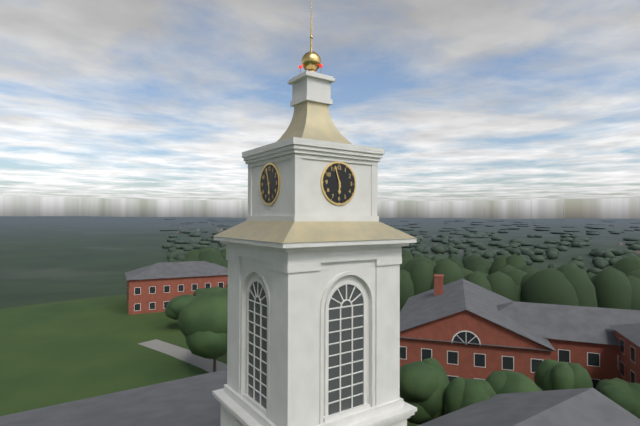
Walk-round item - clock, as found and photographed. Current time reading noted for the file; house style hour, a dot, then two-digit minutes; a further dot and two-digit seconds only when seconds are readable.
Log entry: 5.57
